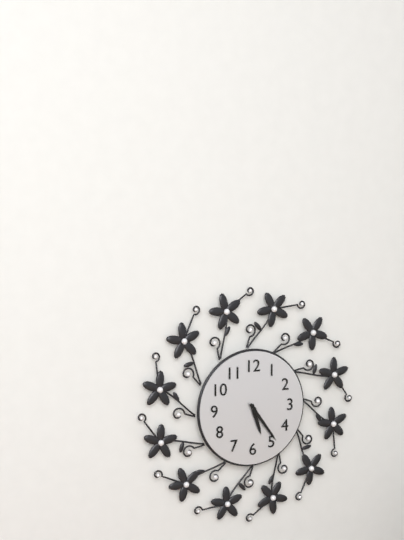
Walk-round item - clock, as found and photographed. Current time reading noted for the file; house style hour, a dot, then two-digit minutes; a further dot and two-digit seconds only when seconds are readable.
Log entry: 5.24
